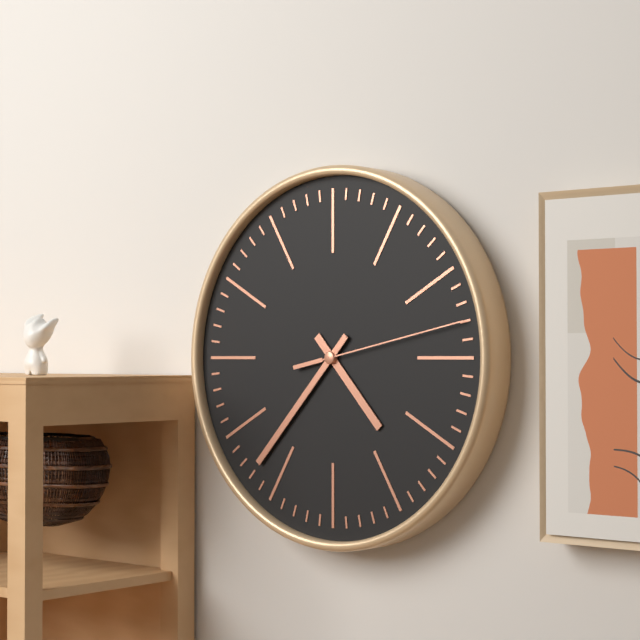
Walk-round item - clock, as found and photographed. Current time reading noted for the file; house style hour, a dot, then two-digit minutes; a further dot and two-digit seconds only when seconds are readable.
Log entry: 4.37.13
